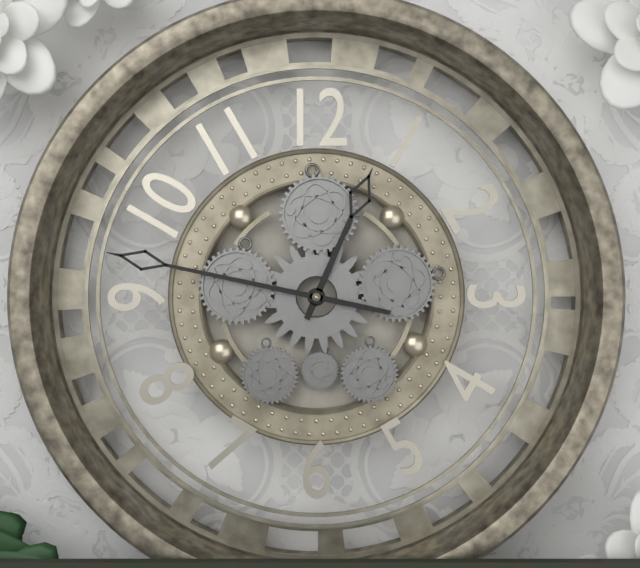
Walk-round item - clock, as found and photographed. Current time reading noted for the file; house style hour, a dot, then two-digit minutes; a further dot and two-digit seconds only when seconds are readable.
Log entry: 12.47
